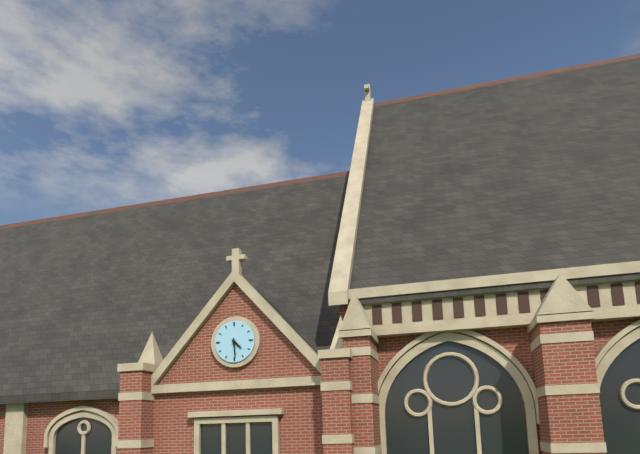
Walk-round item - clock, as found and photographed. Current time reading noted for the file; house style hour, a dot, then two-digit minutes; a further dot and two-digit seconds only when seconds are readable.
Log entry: 4.29
